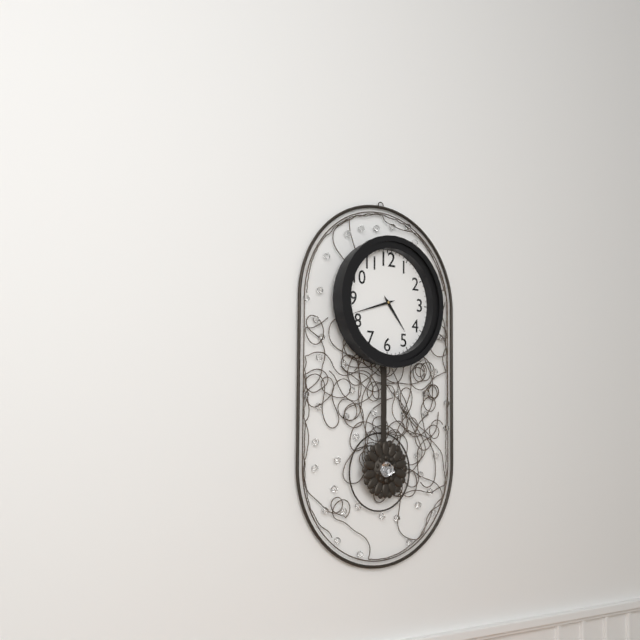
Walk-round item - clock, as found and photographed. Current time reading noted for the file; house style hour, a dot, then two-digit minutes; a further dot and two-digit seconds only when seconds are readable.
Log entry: 4.42
